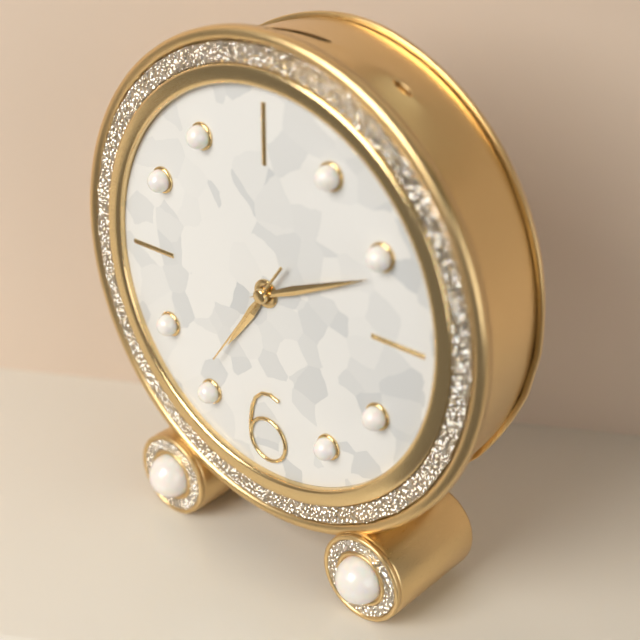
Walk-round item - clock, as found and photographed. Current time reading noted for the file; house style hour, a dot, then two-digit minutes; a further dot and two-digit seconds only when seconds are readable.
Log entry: 7.11.36
